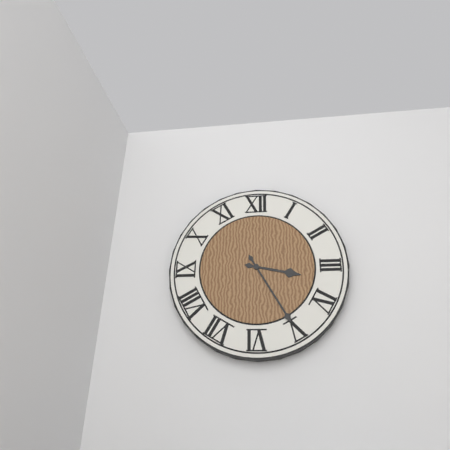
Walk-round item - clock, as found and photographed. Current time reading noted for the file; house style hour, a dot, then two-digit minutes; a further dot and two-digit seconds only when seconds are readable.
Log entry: 3.25
